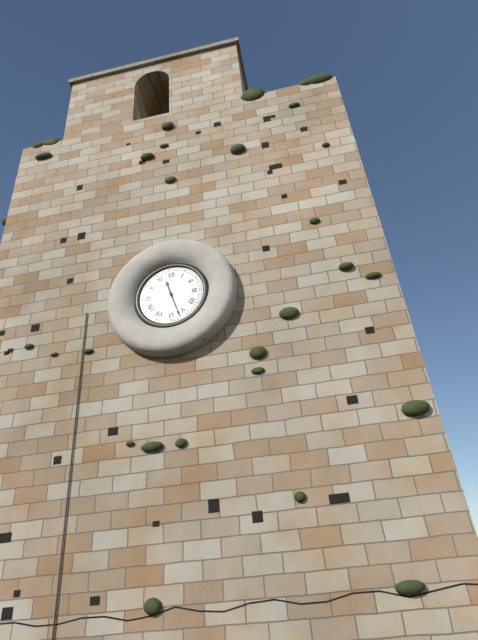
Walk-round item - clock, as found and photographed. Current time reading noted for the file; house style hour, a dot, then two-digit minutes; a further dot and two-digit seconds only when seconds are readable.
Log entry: 11.27
